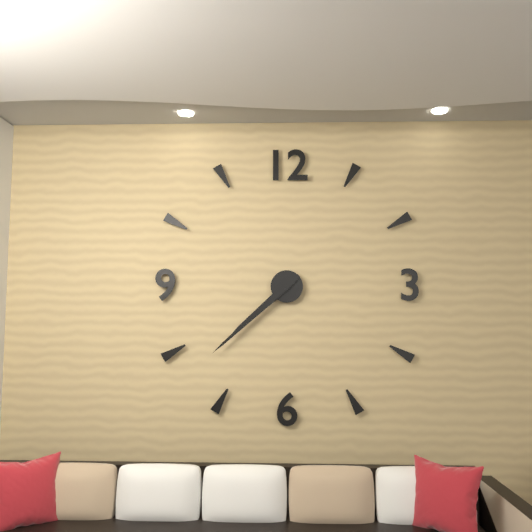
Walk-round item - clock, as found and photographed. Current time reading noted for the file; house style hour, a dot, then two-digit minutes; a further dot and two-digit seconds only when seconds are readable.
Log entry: 7.38
